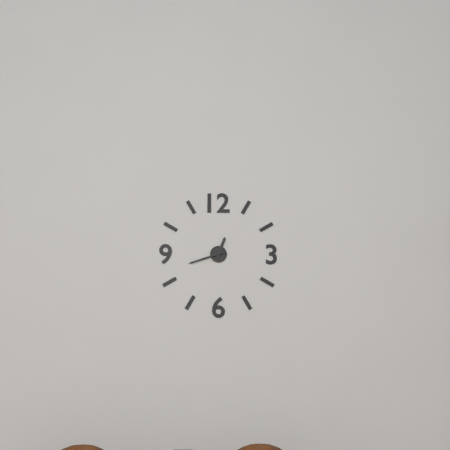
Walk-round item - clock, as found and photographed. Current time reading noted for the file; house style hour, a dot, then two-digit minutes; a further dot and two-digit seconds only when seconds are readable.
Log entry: 12.42
